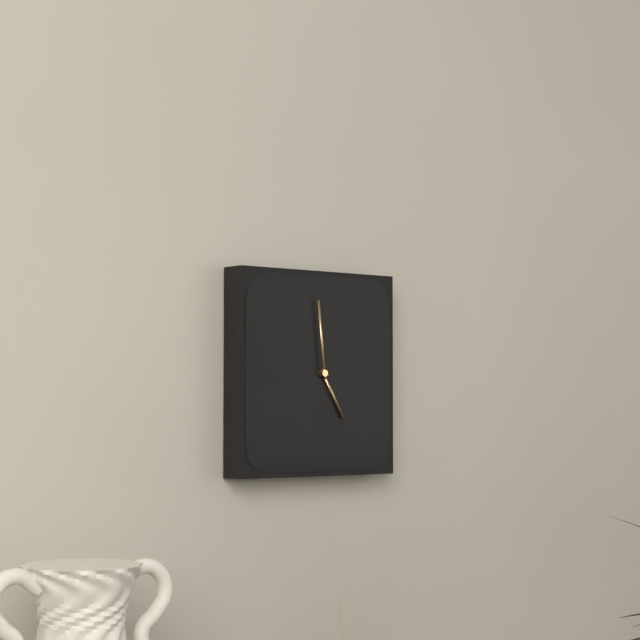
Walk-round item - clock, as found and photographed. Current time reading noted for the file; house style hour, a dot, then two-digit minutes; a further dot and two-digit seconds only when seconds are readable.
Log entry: 4.59
